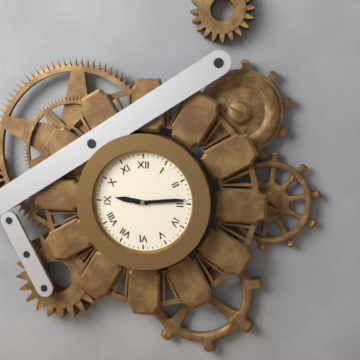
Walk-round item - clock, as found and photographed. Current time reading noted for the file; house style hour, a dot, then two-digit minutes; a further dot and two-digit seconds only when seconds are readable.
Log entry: 9.14
